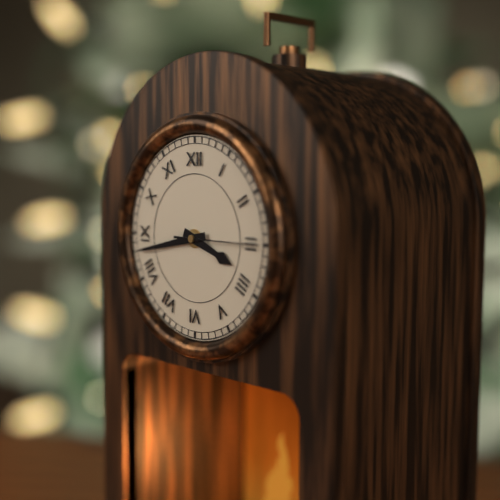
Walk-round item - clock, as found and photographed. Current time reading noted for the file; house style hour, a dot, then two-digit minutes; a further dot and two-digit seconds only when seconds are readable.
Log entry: 3.43.15
